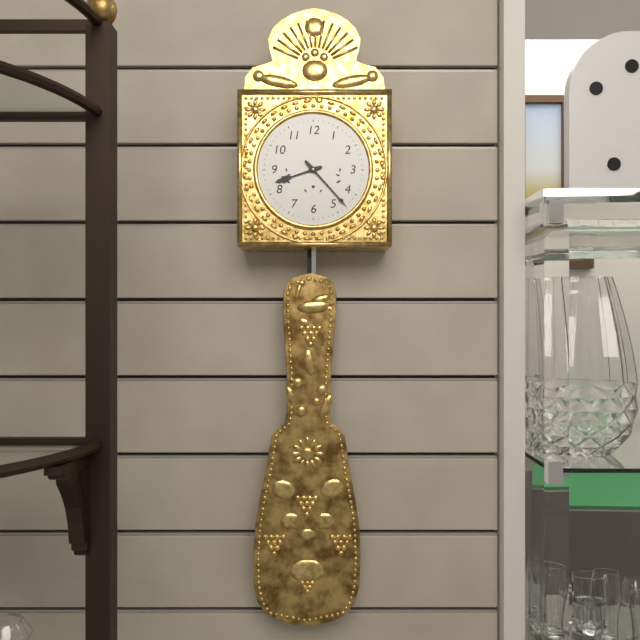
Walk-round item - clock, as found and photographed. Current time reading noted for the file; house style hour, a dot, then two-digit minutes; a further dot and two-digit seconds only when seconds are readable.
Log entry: 8.23
